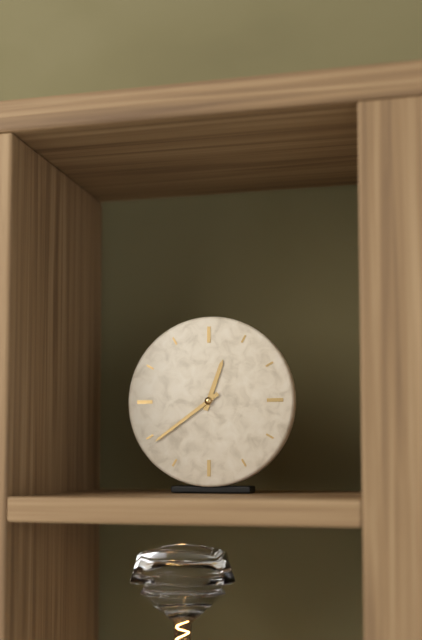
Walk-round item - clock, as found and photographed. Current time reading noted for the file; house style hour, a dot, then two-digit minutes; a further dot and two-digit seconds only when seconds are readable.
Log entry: 12.39
